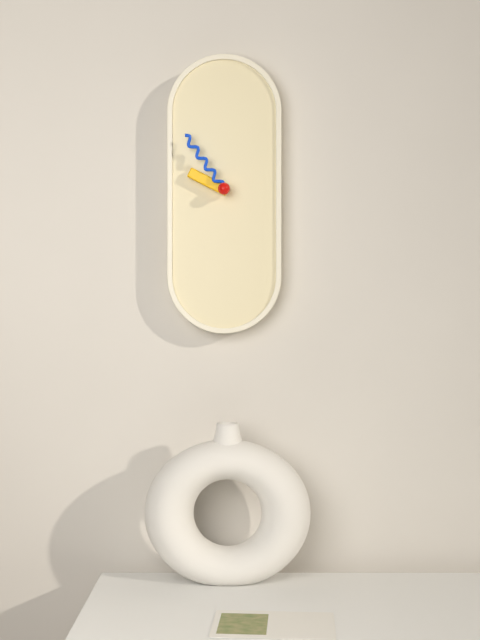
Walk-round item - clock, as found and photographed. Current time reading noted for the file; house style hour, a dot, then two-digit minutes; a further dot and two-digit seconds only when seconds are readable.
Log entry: 9.54
